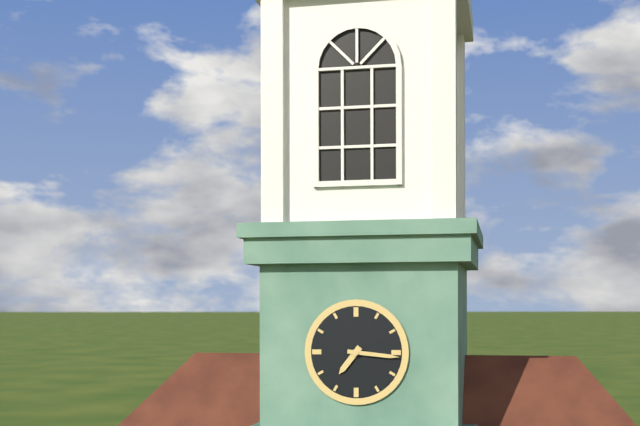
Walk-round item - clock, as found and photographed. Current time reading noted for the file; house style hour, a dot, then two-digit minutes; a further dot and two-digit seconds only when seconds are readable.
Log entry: 7.16
